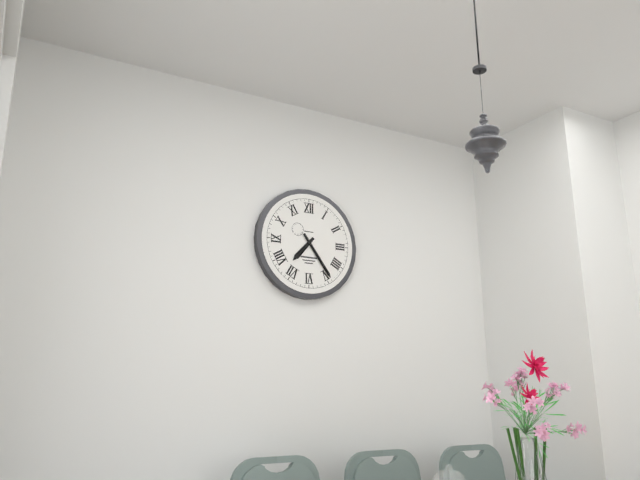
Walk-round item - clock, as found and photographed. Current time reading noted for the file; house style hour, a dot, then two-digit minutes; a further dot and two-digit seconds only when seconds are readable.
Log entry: 7.24
